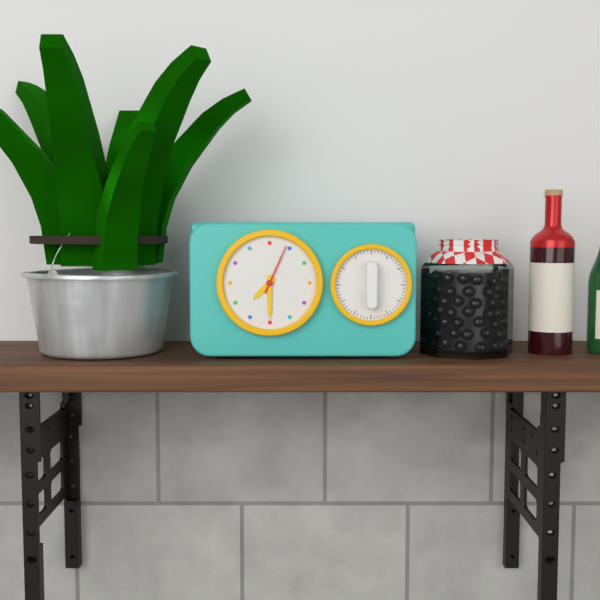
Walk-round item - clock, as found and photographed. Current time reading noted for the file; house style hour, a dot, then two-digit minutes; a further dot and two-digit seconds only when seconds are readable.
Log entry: 7.30.04
